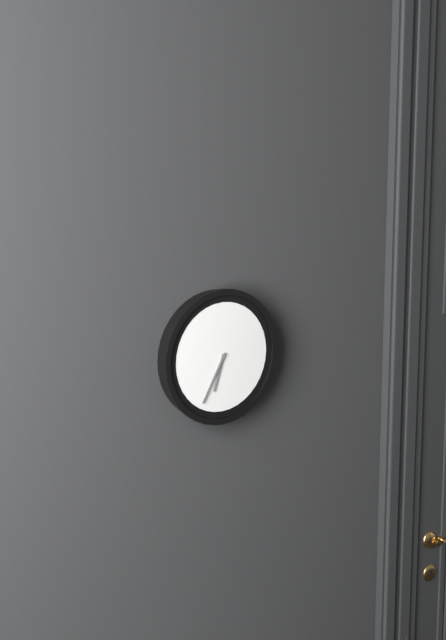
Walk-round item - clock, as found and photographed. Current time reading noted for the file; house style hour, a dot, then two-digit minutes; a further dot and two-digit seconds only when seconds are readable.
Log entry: 6.35
